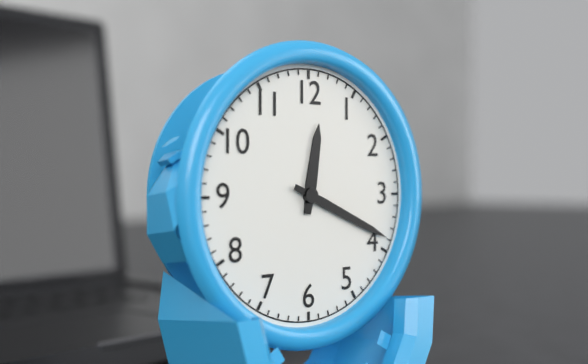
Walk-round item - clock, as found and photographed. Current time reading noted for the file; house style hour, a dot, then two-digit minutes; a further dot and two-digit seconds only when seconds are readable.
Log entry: 12.19
